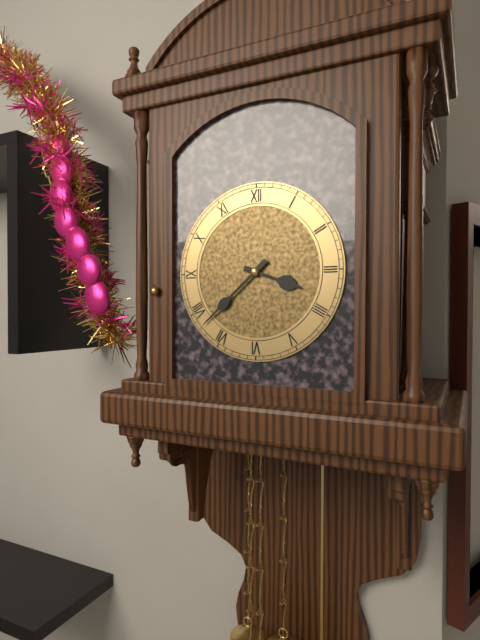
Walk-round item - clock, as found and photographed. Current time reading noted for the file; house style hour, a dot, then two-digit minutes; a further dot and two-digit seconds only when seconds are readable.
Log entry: 3.38
